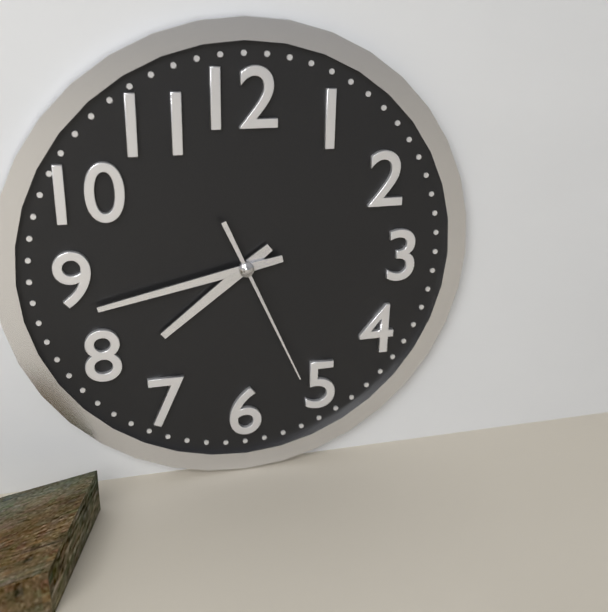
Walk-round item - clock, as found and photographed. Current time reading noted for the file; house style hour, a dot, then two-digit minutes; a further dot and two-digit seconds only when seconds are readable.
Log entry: 7.43.26
